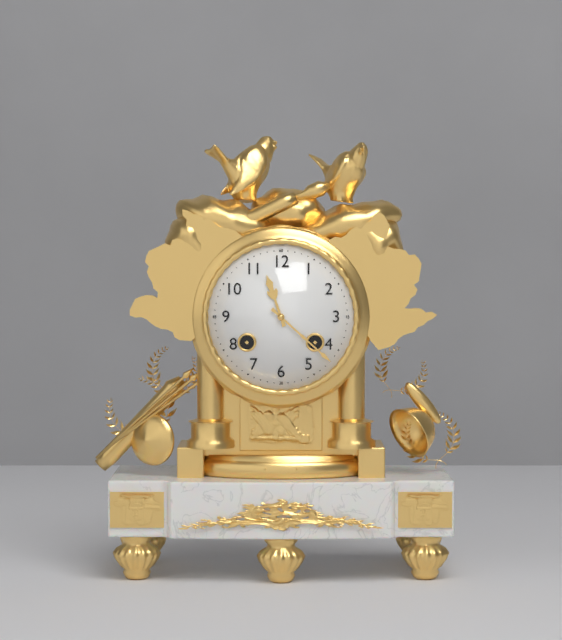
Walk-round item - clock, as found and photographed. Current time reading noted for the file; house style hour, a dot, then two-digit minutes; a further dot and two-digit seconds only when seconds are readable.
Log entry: 11.22
